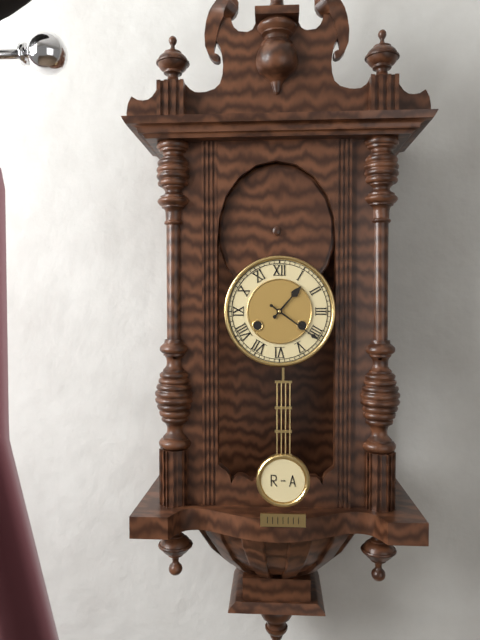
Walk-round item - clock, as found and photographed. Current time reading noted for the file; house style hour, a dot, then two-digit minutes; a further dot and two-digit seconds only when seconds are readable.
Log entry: 1.21
